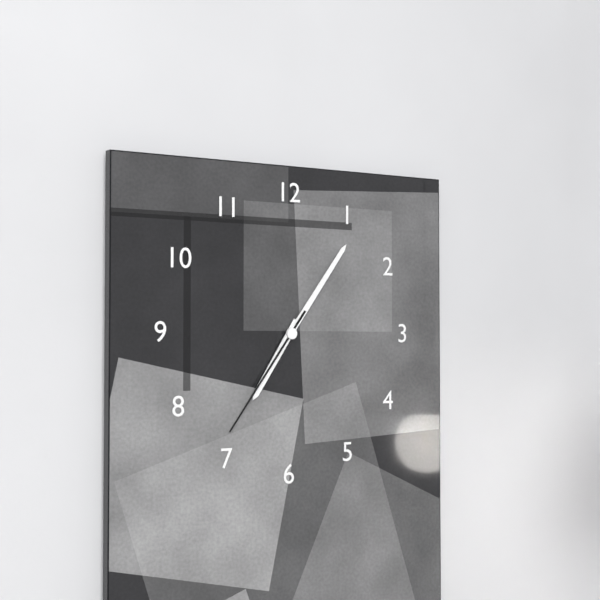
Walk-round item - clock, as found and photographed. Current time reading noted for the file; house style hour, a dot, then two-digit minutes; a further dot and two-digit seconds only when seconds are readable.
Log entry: 7.06.36
